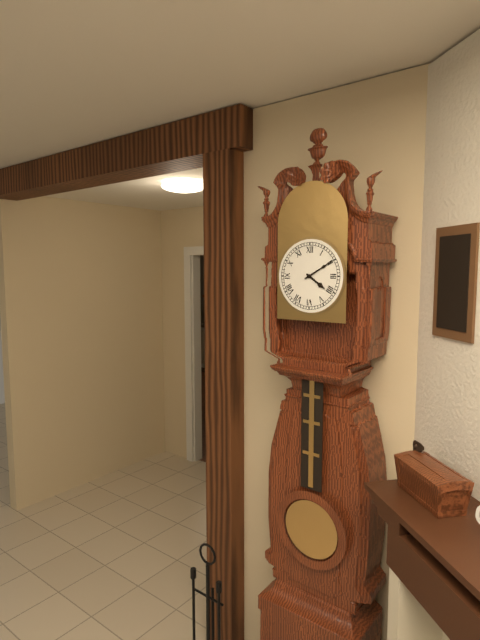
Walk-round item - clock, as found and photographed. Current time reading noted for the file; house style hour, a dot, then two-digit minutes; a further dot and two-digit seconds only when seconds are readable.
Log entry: 4.10
